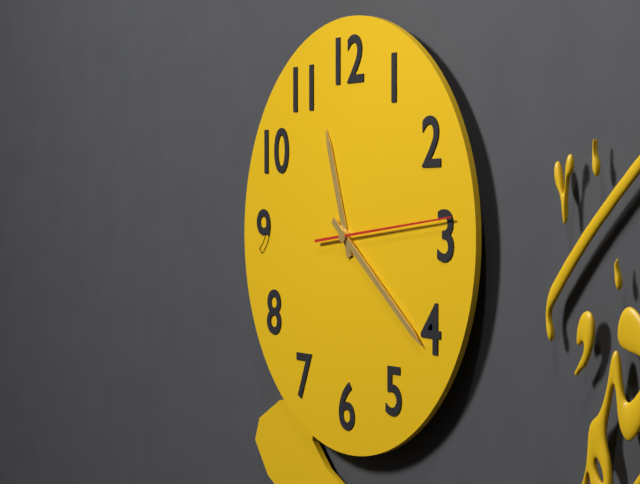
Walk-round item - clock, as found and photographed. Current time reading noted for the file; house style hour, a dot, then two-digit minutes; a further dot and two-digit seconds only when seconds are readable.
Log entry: 11.21.14
